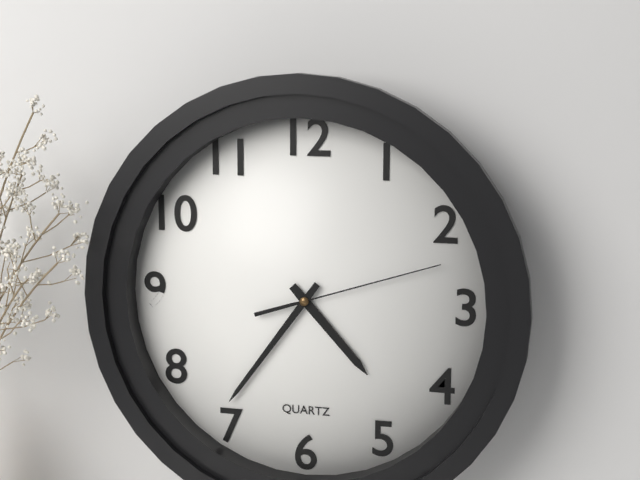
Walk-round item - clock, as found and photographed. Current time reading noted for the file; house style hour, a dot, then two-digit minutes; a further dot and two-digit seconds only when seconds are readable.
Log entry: 4.36.12
